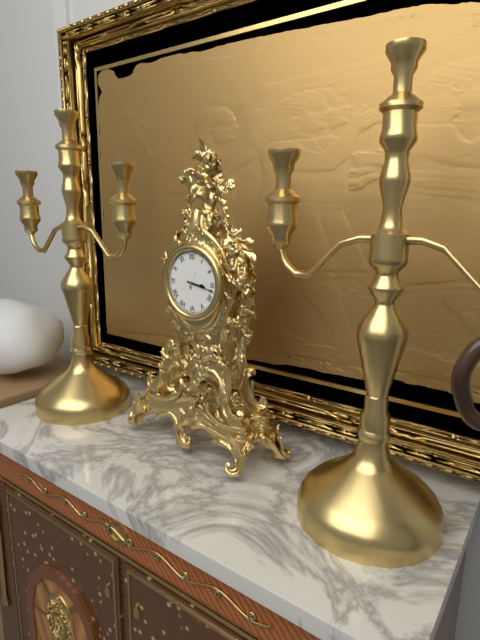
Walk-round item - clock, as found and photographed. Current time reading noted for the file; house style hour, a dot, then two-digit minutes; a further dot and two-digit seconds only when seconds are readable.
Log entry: 3.17
